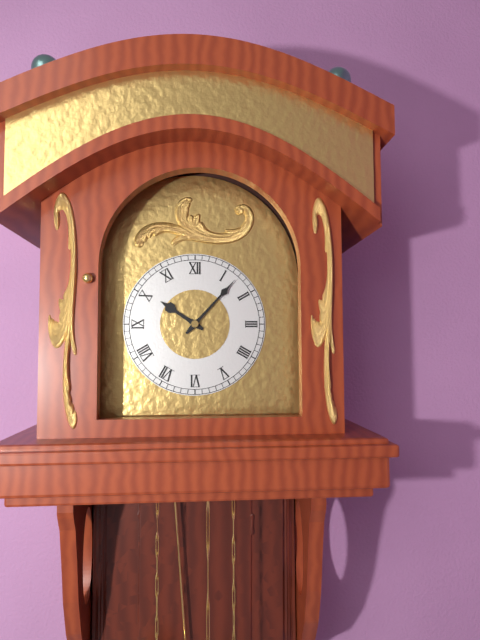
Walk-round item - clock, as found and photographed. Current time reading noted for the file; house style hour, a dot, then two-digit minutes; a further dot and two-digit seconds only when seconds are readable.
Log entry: 10.07
